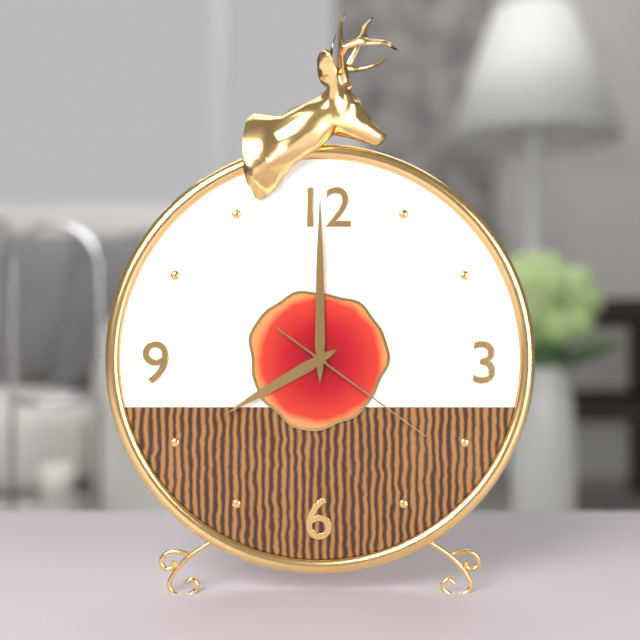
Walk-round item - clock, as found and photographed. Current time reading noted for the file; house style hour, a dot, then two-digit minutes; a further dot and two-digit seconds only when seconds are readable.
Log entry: 8.00.21
